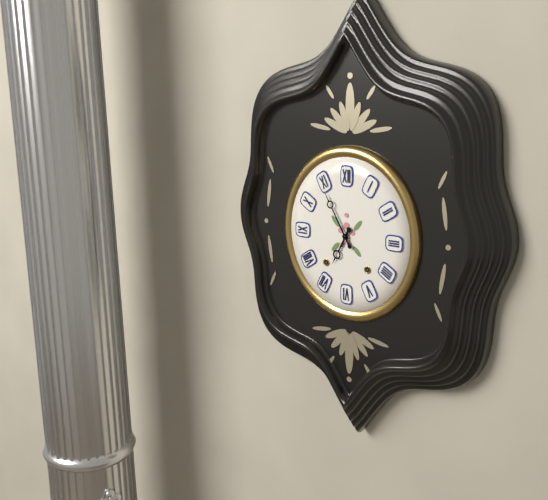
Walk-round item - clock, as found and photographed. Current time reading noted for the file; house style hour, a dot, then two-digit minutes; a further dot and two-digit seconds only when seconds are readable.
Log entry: 6.55
